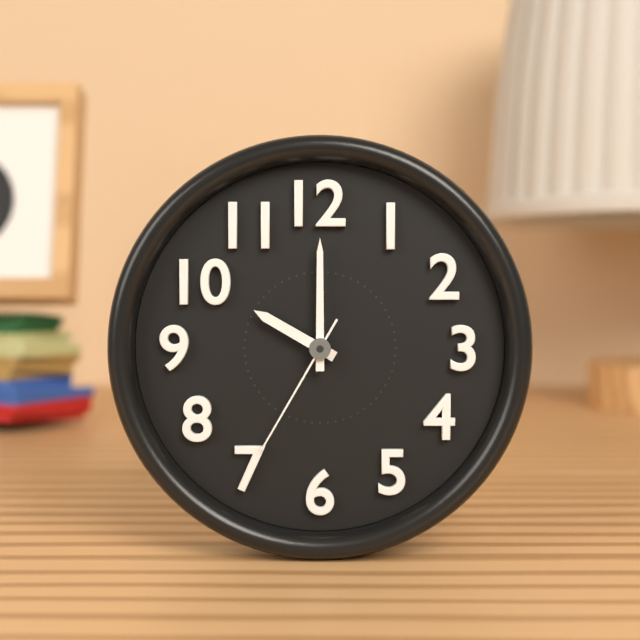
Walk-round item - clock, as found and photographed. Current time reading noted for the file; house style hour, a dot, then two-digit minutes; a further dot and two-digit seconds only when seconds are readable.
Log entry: 10.00.35
